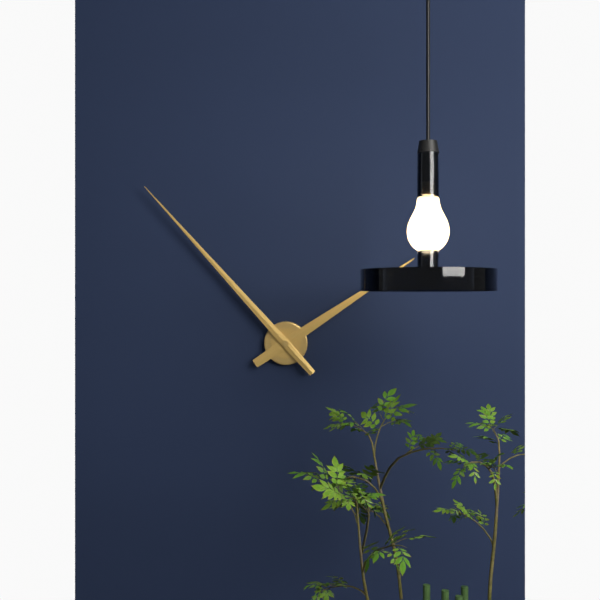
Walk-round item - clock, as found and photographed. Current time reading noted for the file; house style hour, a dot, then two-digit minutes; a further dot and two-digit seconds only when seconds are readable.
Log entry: 1.53
